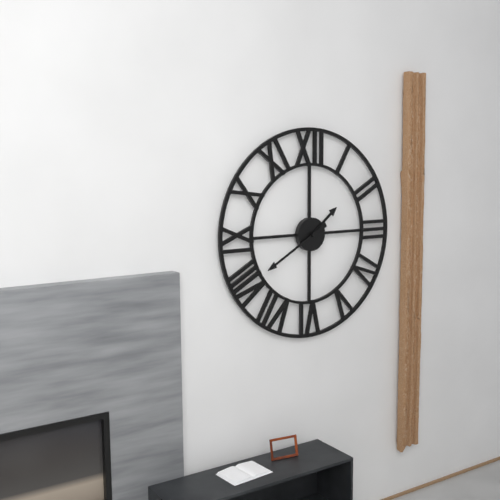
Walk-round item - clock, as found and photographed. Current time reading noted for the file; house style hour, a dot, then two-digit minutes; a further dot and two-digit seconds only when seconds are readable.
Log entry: 1.40
